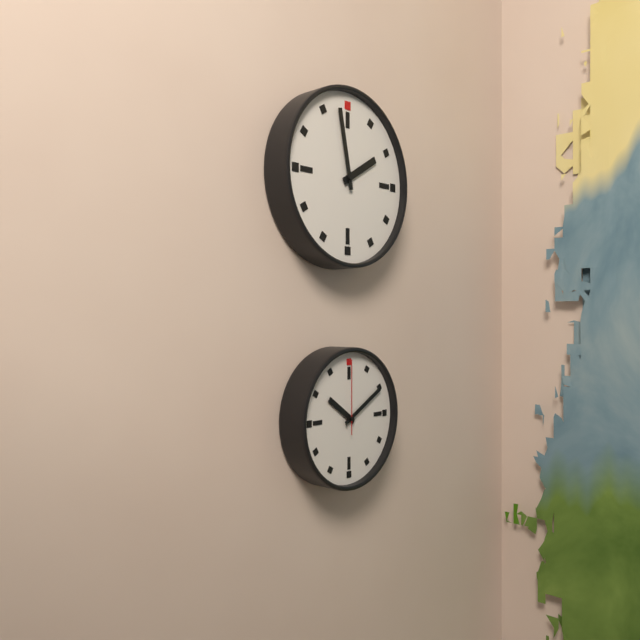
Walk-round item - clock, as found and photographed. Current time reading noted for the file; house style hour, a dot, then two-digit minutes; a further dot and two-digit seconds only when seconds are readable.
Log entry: 1.58
